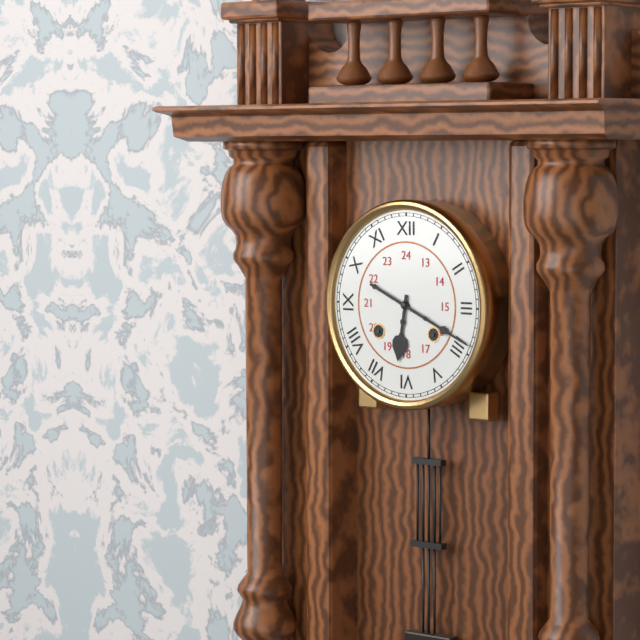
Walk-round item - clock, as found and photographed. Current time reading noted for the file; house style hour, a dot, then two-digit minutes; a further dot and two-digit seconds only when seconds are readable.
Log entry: 6.19
